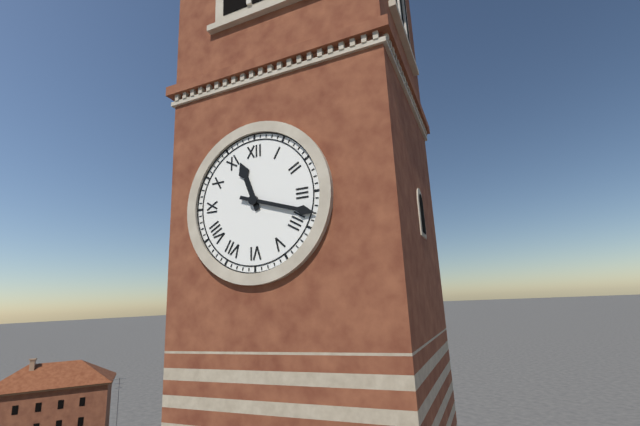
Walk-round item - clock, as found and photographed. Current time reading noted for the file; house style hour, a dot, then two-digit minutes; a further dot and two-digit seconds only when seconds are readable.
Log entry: 11.18
